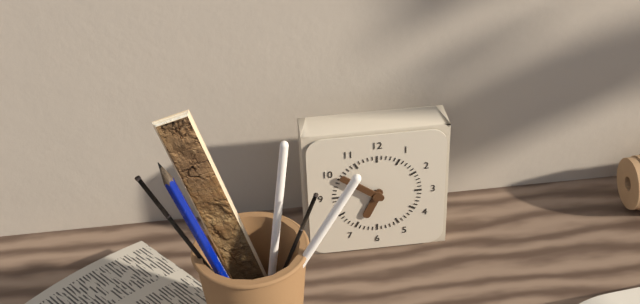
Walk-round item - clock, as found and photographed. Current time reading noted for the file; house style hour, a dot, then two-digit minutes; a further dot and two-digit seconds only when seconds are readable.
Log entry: 6.51
